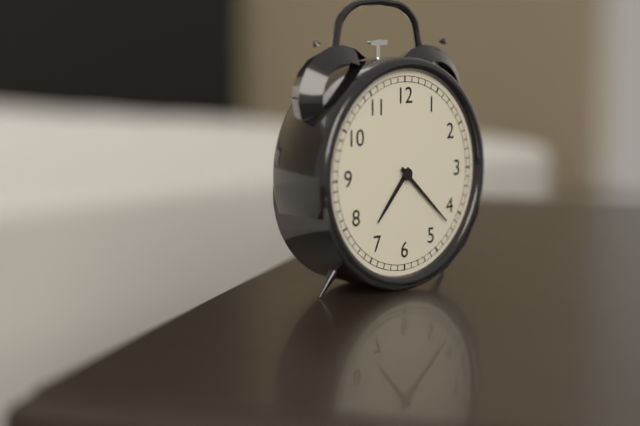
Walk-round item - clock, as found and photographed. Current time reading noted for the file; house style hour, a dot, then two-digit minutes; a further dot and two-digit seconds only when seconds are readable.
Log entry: 7.22
